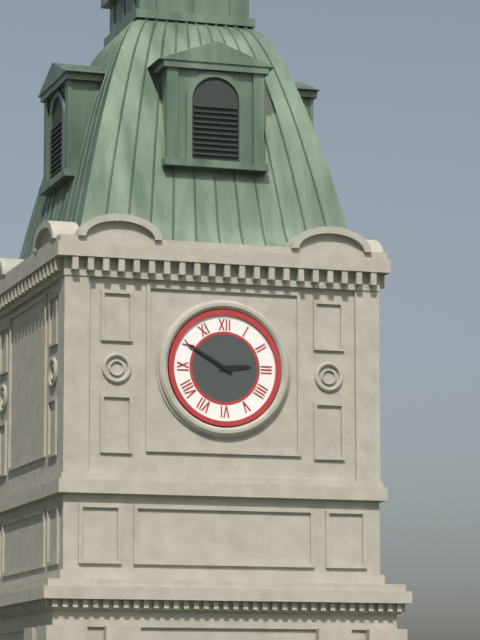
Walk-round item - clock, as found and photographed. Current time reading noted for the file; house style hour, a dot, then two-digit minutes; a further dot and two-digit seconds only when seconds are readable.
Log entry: 2.50
